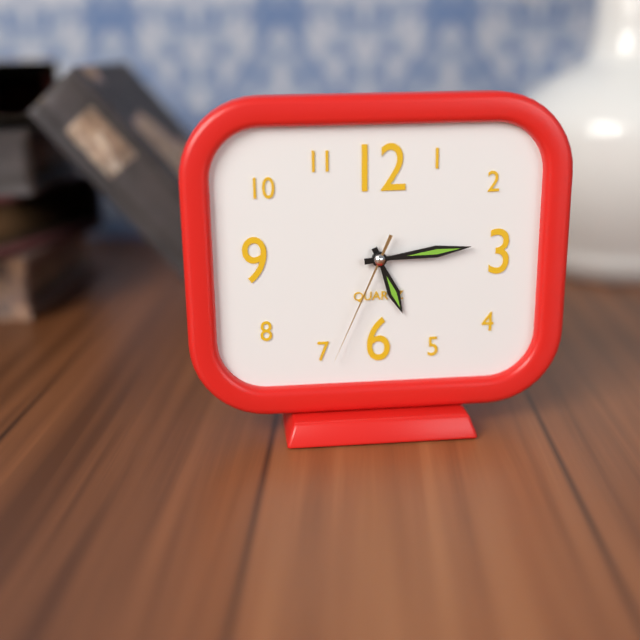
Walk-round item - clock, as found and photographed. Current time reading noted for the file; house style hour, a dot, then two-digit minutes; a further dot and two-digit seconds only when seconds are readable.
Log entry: 5.14.34
